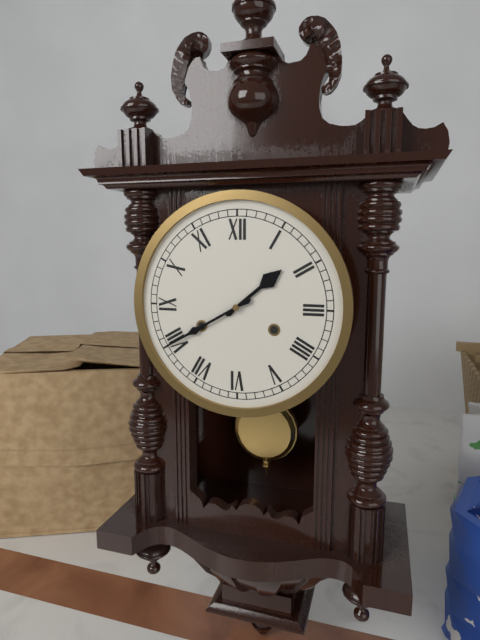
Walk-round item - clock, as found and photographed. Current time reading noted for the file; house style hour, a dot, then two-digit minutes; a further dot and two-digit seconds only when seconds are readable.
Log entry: 1.40
